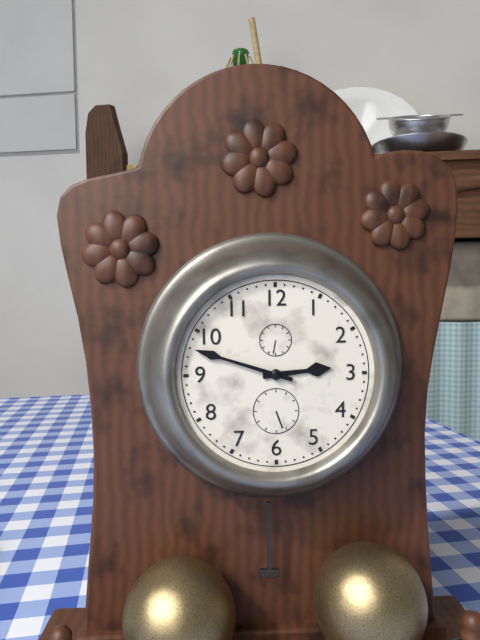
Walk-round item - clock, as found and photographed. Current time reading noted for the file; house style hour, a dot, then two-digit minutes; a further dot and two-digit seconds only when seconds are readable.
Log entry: 2.48
